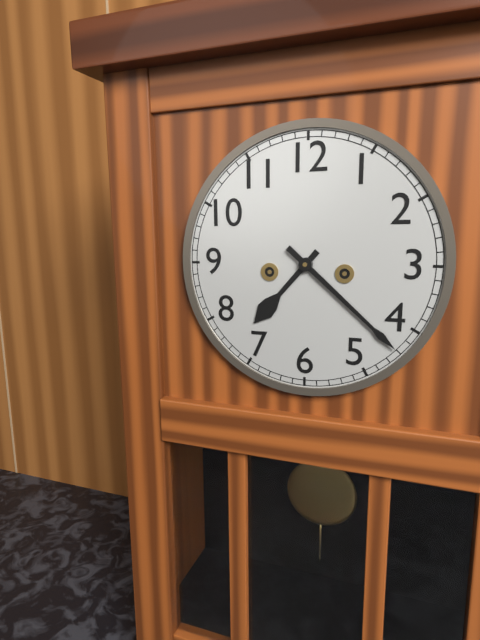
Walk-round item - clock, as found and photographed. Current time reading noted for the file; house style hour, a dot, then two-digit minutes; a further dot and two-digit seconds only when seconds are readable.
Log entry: 7.22
